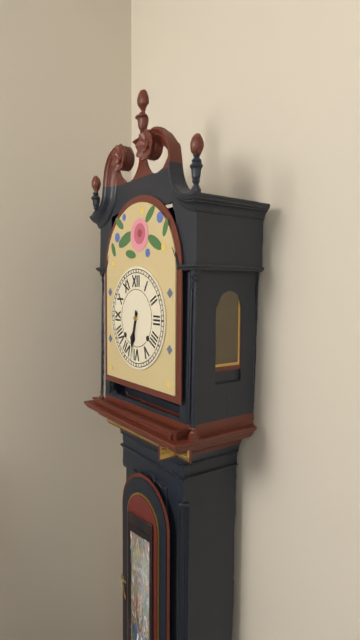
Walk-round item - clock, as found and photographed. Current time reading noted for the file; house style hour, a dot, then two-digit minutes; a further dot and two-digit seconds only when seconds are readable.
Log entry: 6.32
